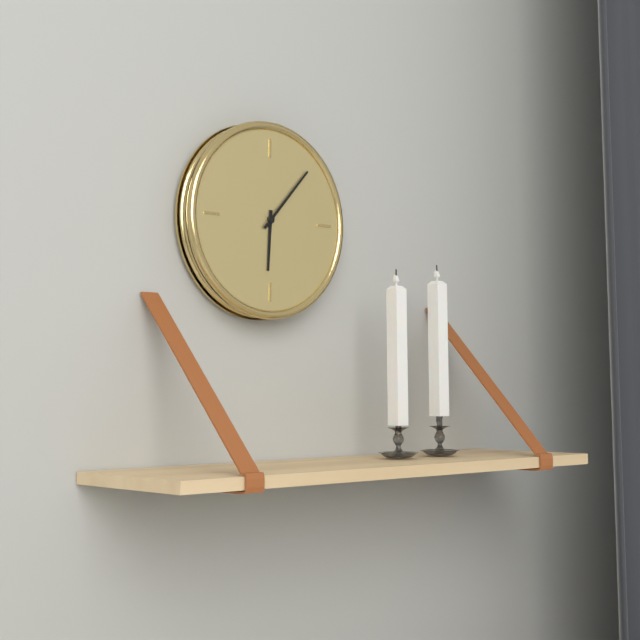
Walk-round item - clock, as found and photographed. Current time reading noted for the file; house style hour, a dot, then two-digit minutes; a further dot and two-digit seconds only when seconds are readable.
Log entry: 6.07
